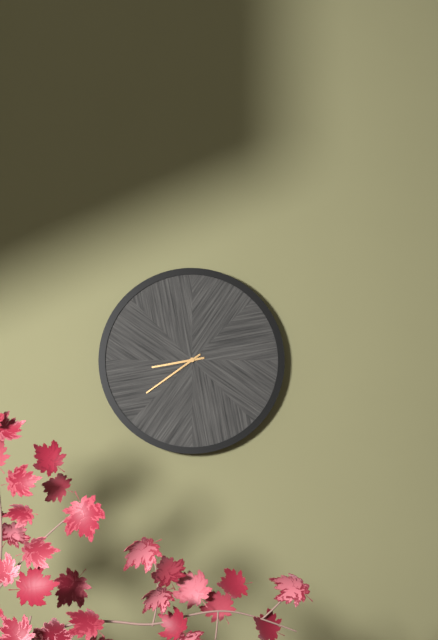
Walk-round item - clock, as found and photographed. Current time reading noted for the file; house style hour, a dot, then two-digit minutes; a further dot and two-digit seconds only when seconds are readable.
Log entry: 8.39
